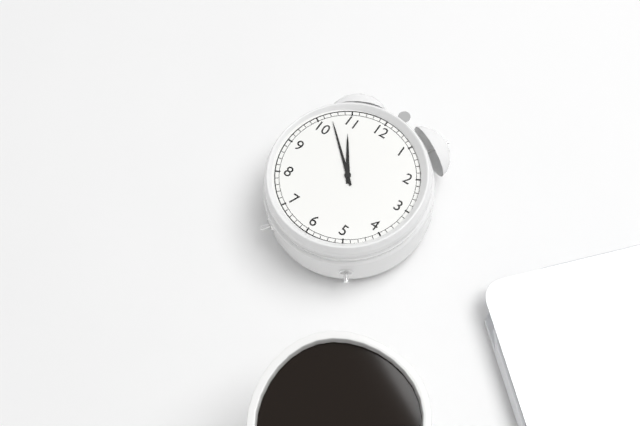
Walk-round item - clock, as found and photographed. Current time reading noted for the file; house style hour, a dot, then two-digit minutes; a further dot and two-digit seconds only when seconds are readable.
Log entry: 10.52
